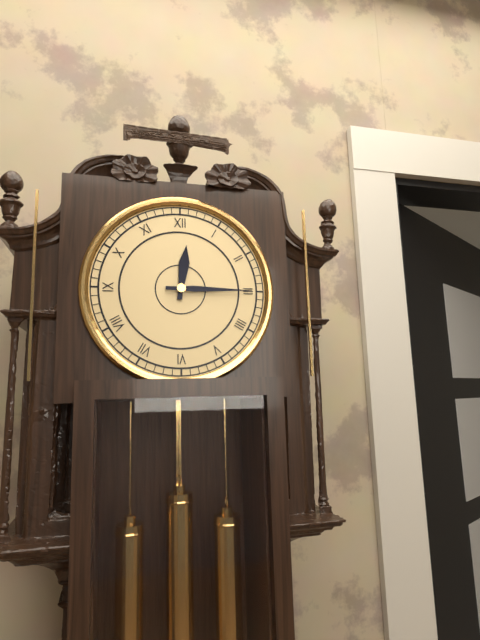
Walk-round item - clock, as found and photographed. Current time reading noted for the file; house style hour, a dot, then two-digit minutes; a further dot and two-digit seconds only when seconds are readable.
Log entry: 12.15
